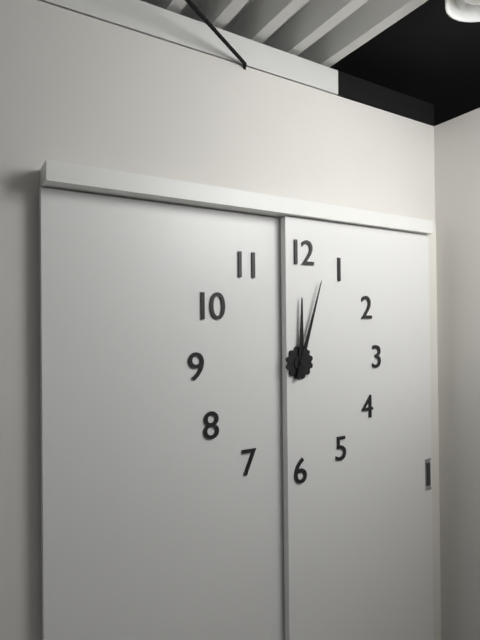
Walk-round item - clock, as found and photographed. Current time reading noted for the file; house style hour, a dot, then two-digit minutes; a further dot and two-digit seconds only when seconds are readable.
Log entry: 12.03
